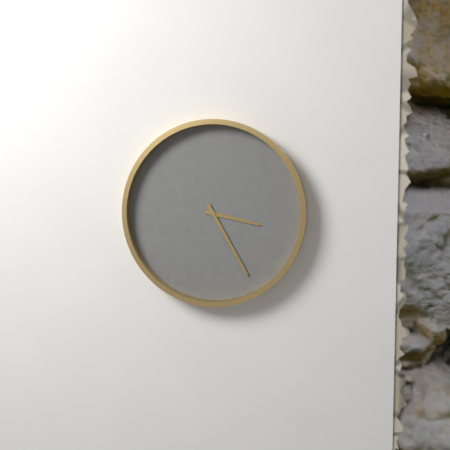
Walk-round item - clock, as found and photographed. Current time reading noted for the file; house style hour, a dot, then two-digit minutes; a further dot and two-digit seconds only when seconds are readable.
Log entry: 3.25
